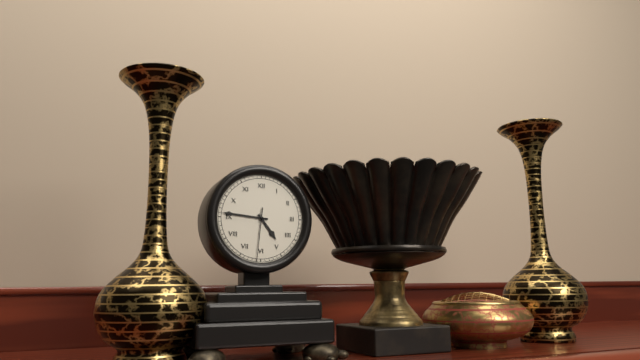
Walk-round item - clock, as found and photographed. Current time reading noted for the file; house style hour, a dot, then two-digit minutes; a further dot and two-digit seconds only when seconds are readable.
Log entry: 4.46.31
